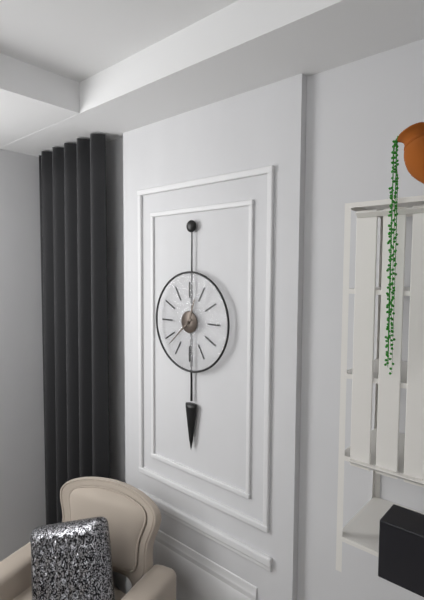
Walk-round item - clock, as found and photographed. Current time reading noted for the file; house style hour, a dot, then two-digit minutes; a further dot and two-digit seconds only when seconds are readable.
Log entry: 12.38
